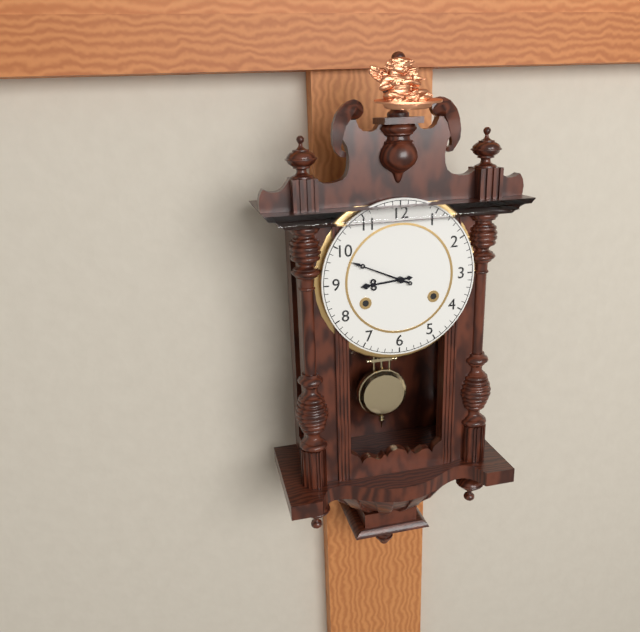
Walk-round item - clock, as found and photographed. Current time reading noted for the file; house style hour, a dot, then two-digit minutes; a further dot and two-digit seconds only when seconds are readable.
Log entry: 8.49
